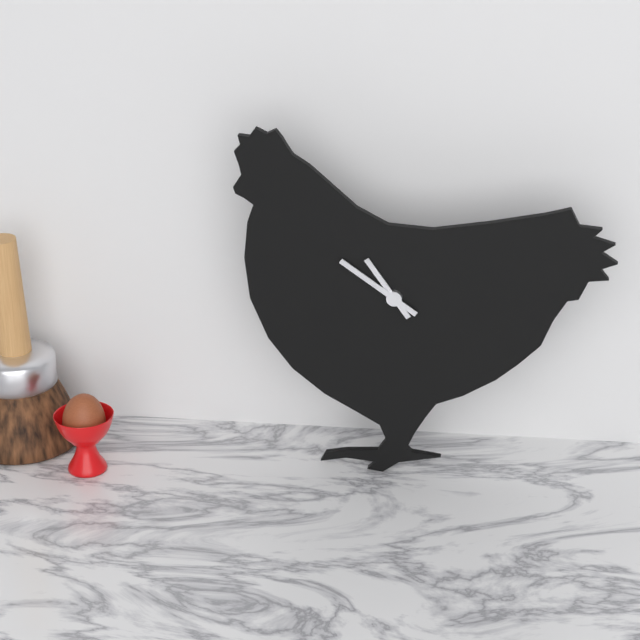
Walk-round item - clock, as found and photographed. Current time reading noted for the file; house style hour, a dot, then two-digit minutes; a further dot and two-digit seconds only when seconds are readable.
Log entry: 10.51
